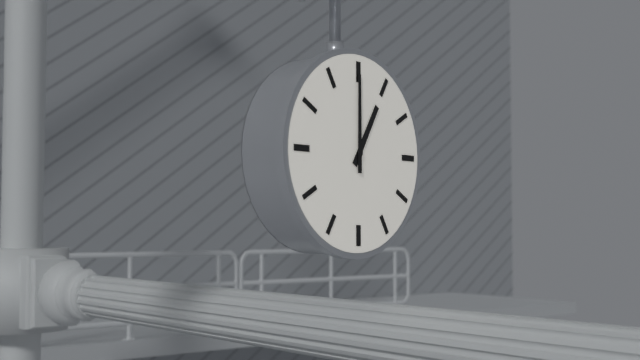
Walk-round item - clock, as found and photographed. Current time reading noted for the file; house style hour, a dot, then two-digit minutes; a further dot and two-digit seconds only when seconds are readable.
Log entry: 1.00
